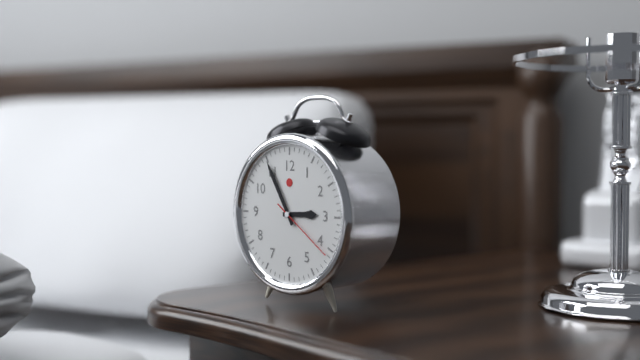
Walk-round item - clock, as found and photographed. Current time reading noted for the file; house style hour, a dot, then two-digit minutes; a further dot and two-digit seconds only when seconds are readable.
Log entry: 2.55.21
